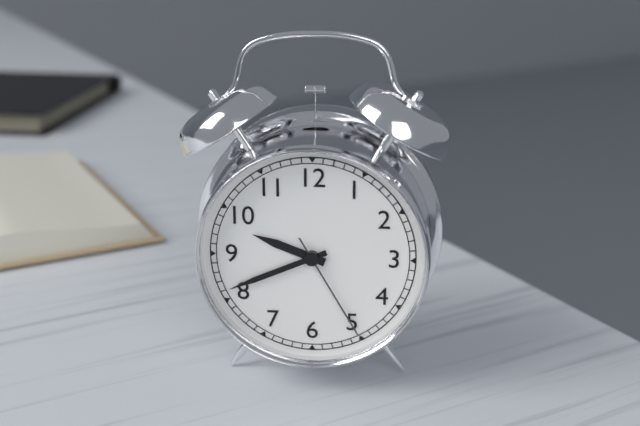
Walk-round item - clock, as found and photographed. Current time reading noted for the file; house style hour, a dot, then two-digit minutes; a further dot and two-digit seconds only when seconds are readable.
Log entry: 9.41.25
